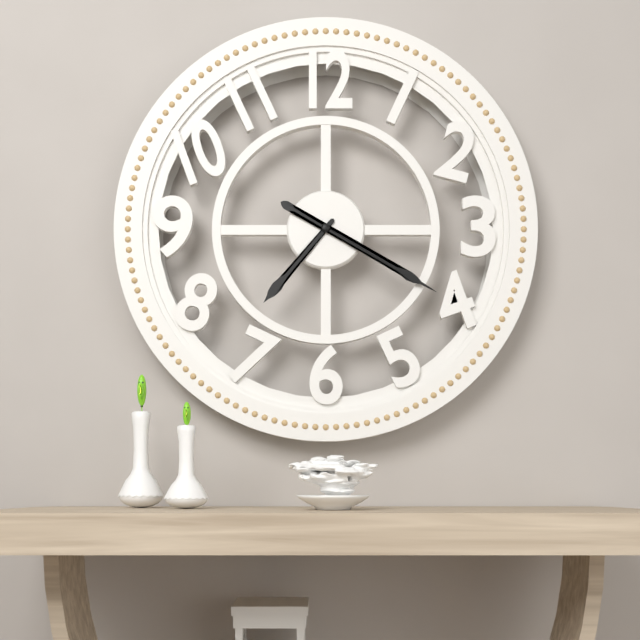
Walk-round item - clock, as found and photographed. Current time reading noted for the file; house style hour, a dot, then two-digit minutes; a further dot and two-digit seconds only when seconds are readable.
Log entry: 7.20
